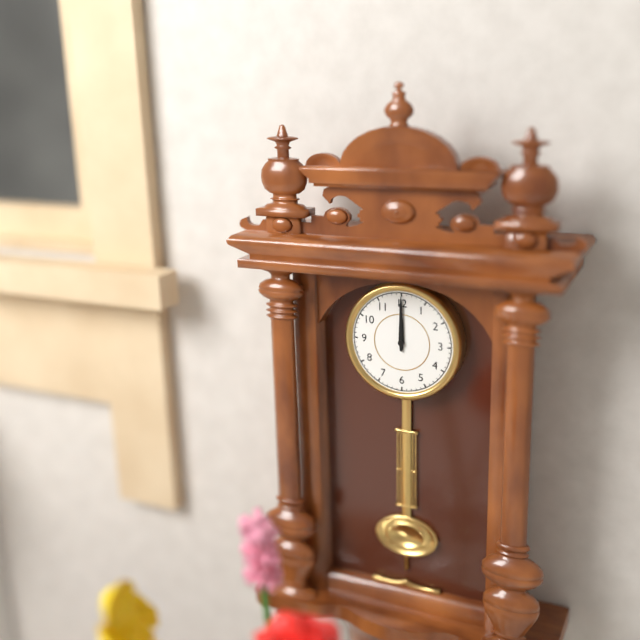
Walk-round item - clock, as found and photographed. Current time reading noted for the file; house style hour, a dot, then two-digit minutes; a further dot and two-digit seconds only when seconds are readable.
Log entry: 12.00
